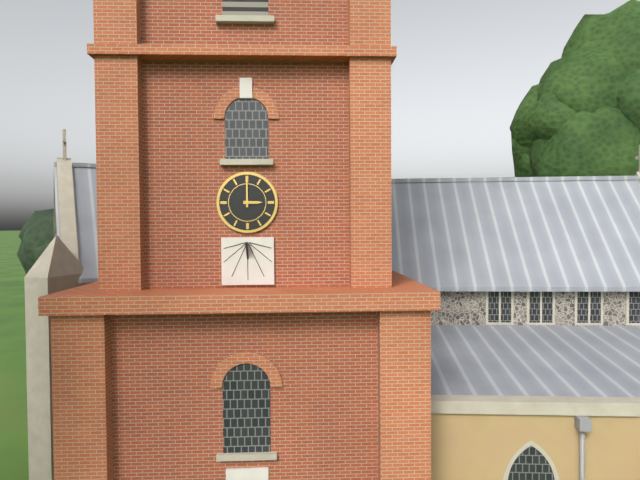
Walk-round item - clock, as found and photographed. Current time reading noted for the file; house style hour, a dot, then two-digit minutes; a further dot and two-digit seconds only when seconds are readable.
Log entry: 3.00
